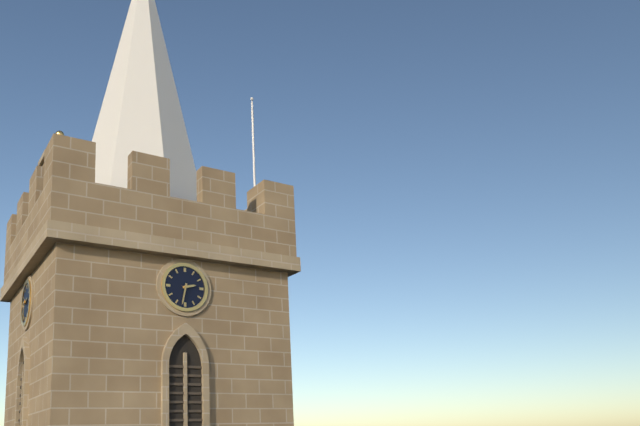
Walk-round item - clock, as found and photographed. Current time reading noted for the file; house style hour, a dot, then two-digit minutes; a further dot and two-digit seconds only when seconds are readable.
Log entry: 2.32
